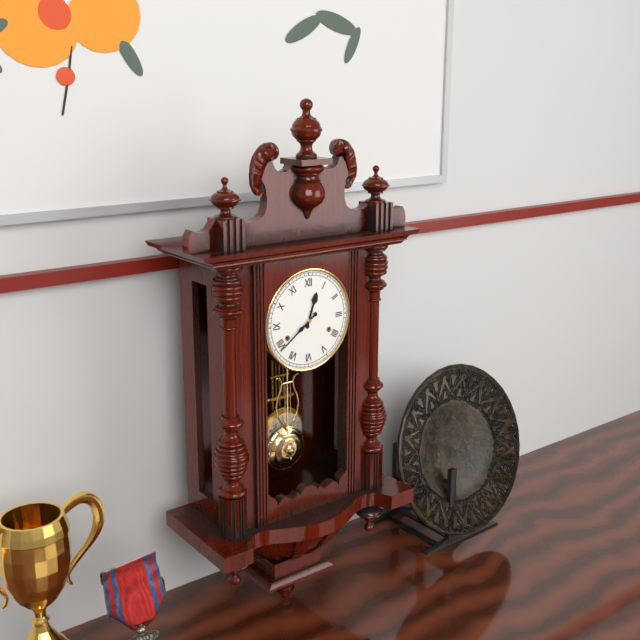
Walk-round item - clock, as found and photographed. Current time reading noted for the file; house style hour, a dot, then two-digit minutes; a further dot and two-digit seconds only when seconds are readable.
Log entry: 12.39
